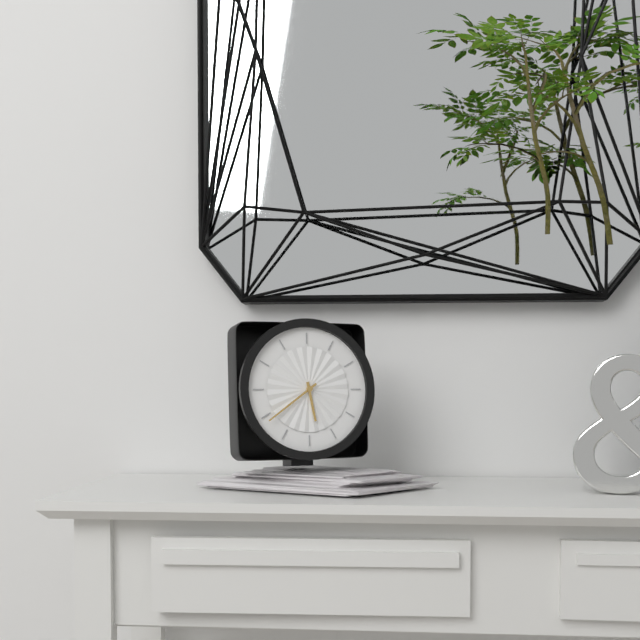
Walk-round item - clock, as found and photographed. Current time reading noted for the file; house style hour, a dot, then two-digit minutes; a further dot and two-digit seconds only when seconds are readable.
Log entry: 5.39
